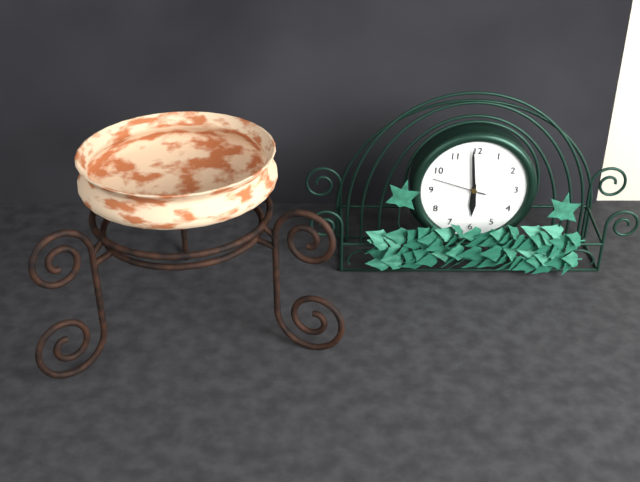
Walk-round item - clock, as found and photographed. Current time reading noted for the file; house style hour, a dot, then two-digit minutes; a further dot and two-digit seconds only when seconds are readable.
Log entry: 5.59.48
